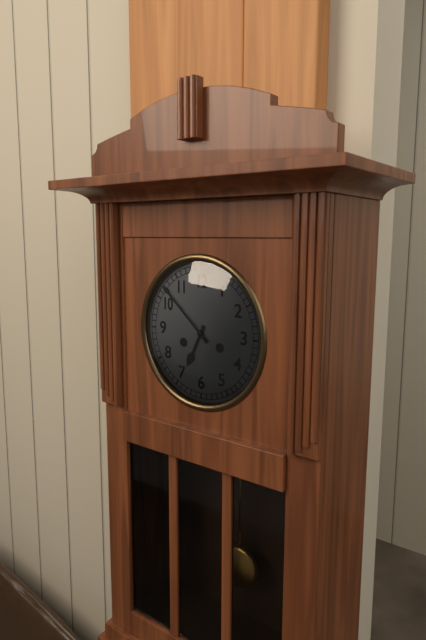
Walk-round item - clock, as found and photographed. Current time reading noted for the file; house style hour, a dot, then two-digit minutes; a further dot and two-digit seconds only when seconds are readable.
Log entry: 6.52
